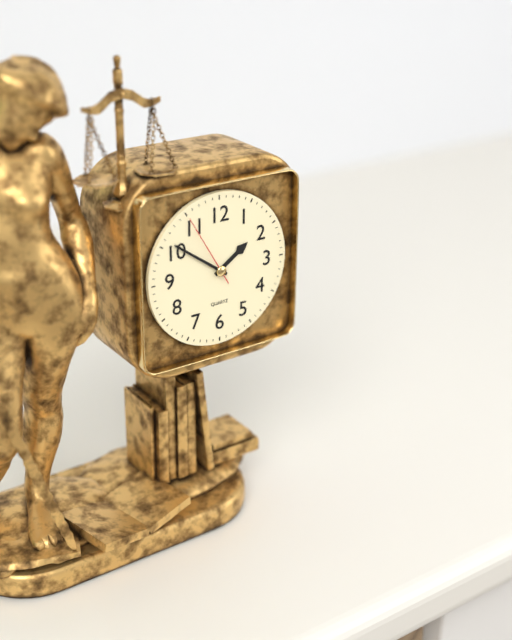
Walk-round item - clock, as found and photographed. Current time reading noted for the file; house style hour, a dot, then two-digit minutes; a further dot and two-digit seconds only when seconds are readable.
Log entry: 1.51.55
